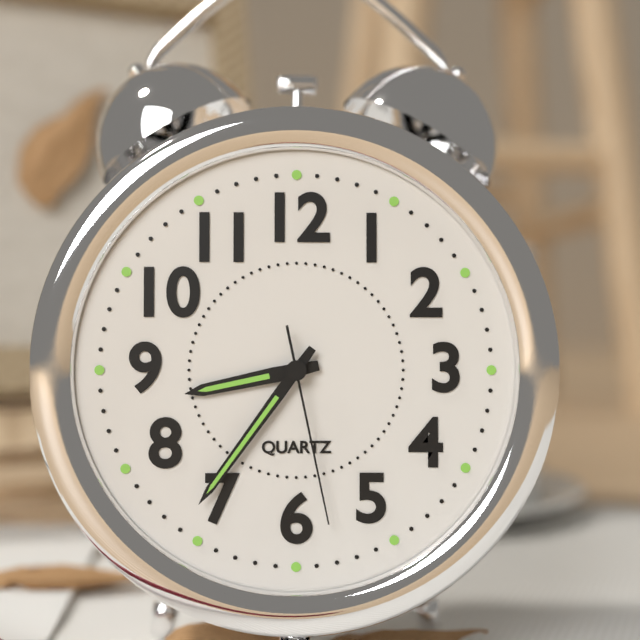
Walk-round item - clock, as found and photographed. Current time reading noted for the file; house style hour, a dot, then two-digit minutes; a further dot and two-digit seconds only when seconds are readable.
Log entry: 8.36.28
